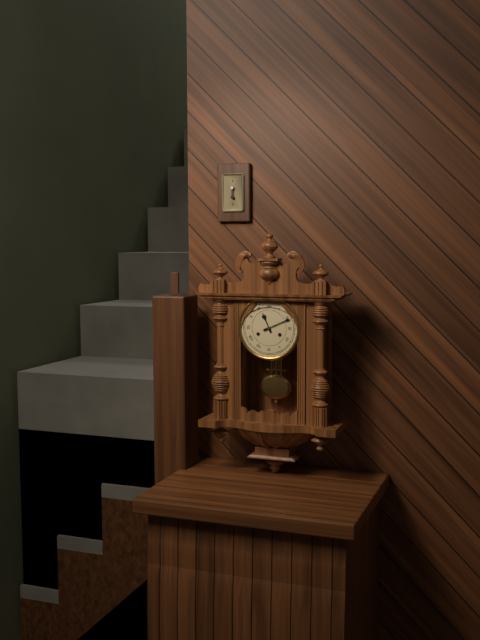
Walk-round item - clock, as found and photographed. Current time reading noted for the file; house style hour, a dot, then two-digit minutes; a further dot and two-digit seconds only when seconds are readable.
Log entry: 11.11
